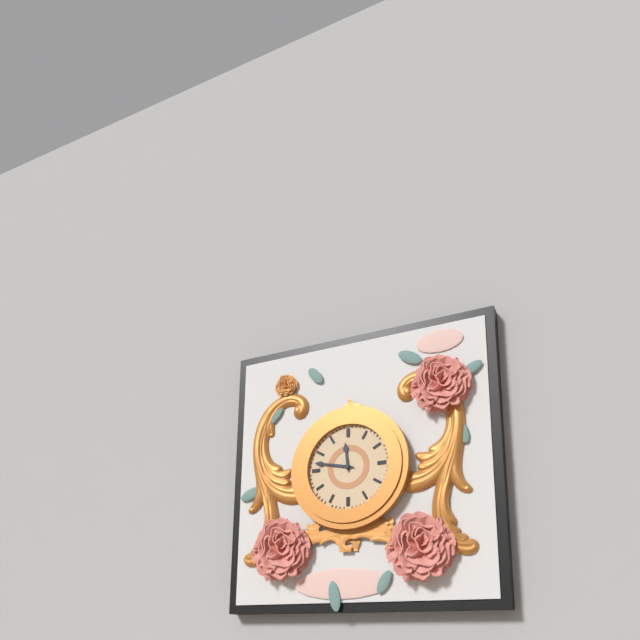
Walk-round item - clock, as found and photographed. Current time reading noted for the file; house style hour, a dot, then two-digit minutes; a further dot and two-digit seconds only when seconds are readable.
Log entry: 11.47
